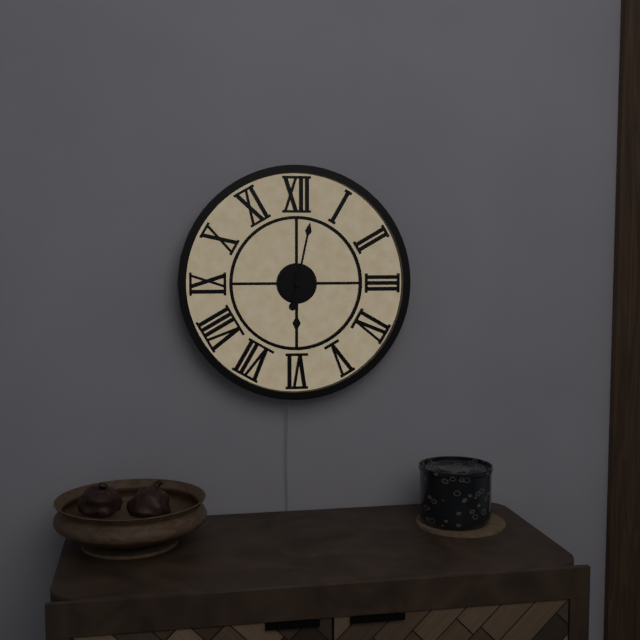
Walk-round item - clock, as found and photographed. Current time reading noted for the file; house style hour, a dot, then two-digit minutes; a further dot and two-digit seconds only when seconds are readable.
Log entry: 6.02
